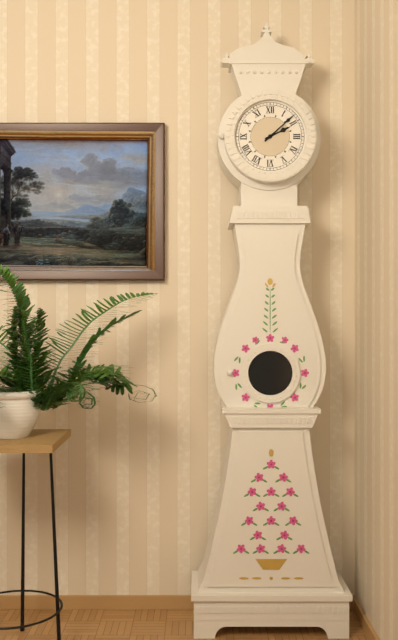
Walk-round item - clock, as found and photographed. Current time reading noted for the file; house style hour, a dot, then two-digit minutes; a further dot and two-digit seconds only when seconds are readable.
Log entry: 2.08
